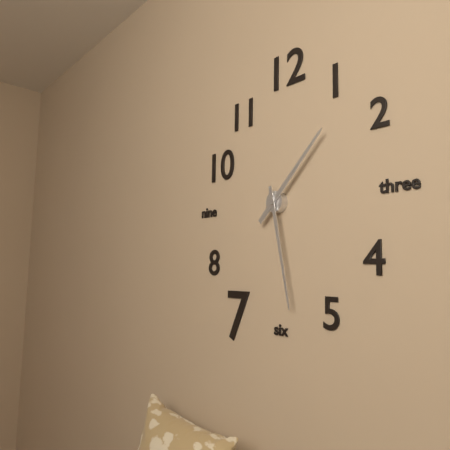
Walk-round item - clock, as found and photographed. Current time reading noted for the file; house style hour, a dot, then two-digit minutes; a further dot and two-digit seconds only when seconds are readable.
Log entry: 1.28
